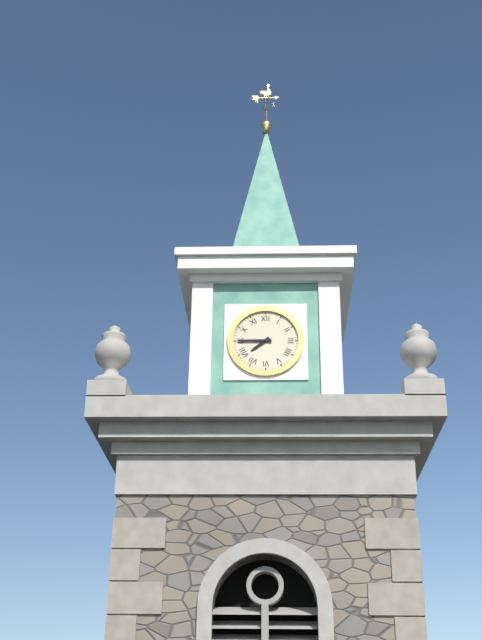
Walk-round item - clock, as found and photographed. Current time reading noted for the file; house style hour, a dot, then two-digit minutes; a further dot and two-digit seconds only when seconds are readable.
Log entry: 7.45
